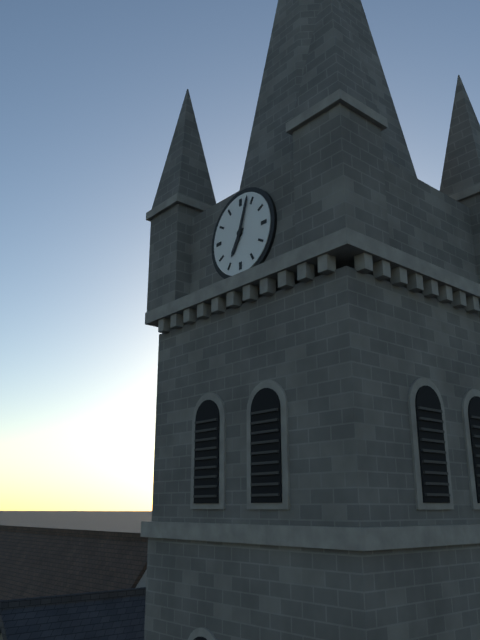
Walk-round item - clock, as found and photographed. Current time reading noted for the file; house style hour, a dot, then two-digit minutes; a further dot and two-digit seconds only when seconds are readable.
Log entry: 7.03
